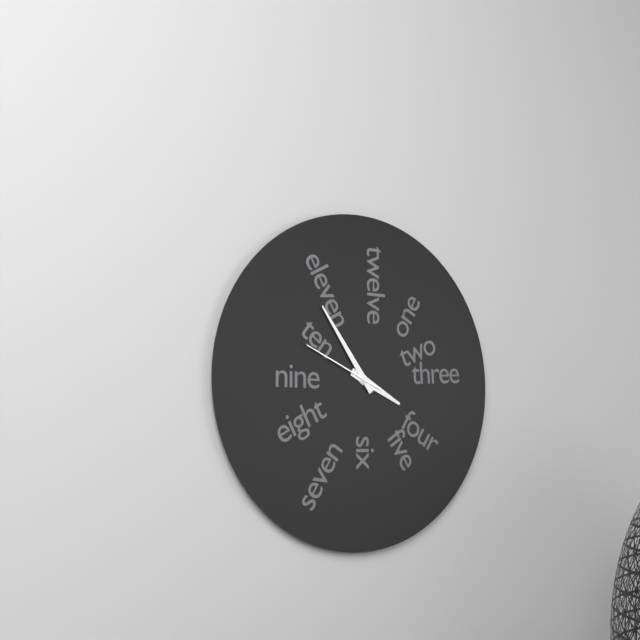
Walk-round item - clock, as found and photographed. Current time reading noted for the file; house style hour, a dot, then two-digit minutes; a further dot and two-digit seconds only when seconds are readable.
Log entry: 3.54.49
